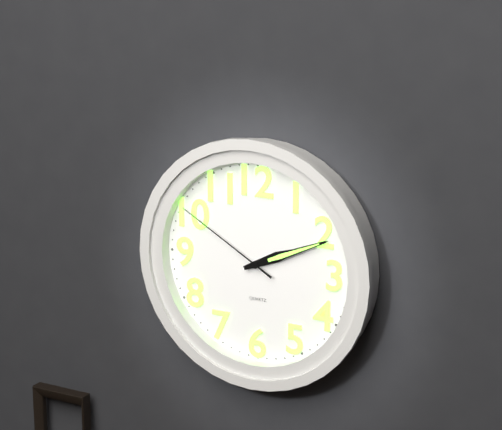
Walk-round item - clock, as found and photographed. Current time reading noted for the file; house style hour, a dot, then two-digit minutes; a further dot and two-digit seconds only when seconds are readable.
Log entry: 2.11.50
